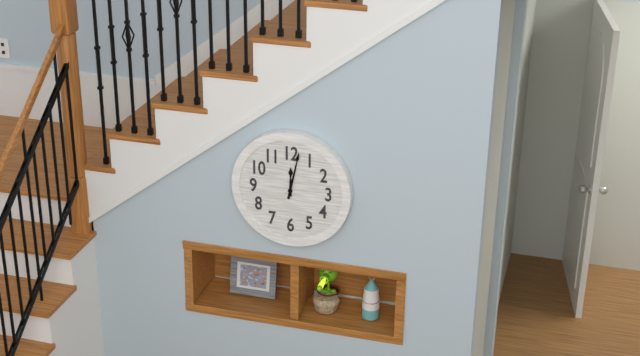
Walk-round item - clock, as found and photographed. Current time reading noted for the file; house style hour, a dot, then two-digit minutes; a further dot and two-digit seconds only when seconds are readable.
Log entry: 12.02
